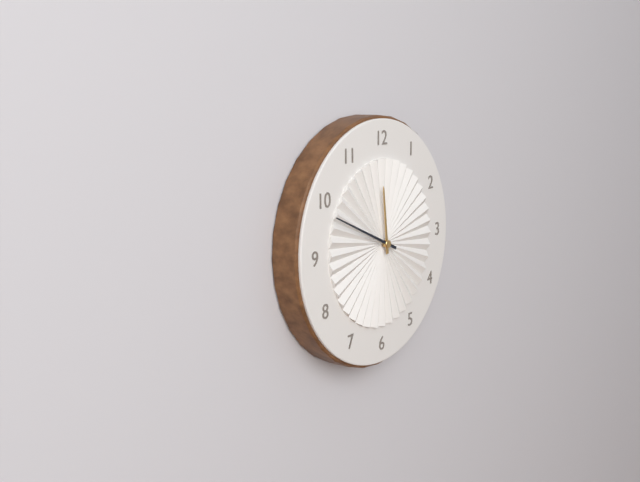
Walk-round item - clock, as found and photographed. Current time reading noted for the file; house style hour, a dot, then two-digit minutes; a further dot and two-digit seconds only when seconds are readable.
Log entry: 11.49
